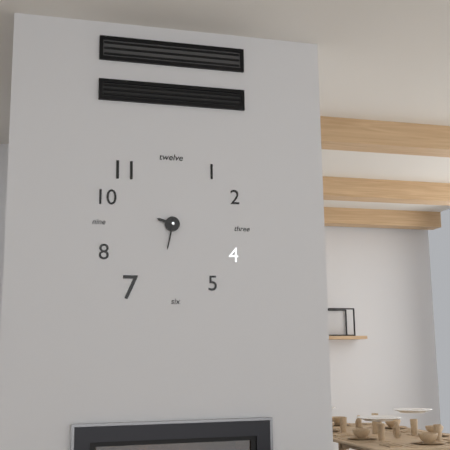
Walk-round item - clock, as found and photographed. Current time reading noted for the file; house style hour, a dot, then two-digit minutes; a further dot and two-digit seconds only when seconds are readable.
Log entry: 9.32
